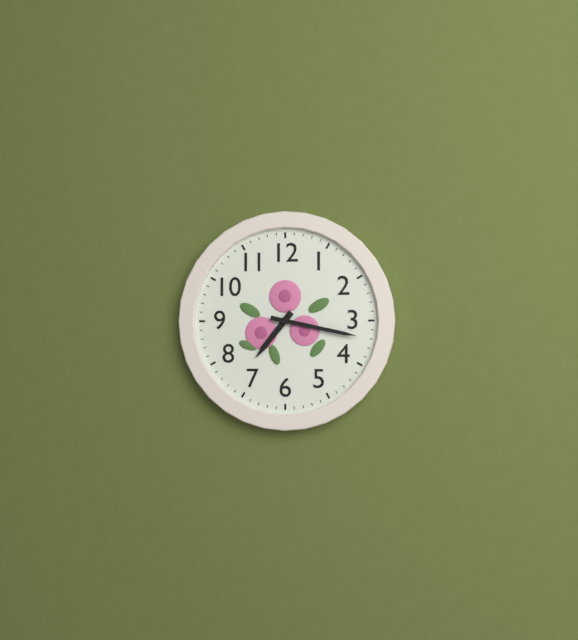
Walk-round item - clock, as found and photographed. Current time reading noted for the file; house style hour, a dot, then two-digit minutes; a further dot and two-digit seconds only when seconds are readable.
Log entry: 7.17
